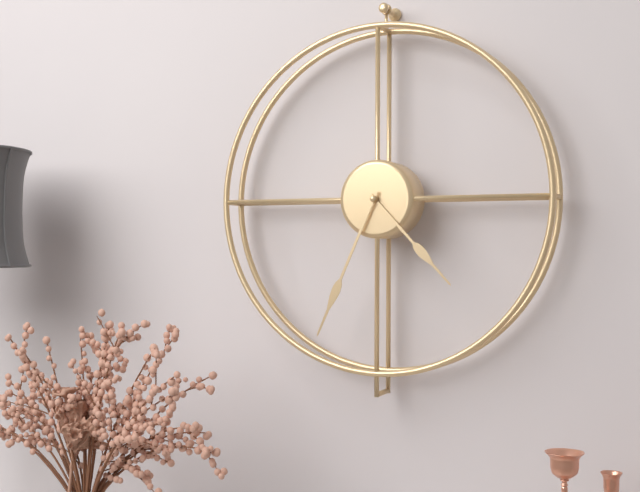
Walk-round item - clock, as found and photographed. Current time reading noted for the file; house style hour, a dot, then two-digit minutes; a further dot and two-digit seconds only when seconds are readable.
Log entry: 4.34
